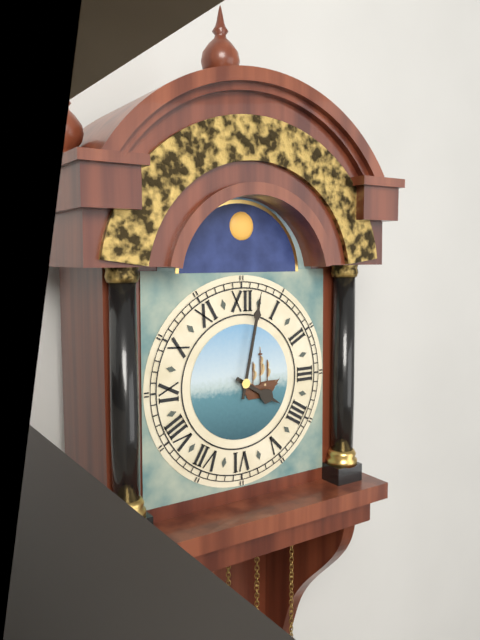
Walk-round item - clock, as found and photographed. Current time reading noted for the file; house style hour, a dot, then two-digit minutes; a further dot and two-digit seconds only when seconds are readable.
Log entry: 4.02
